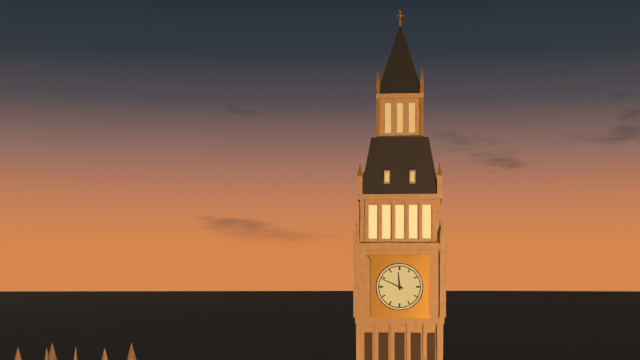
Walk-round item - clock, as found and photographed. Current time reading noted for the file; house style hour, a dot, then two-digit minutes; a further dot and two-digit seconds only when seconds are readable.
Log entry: 11.49
